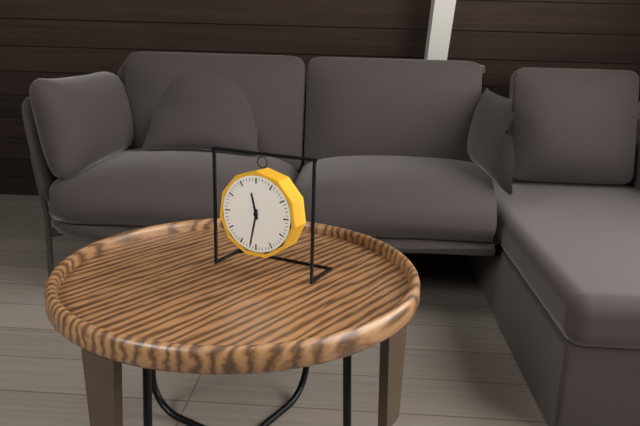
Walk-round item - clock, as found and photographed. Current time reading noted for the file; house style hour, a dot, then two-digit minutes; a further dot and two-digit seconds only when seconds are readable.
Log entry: 11.32
